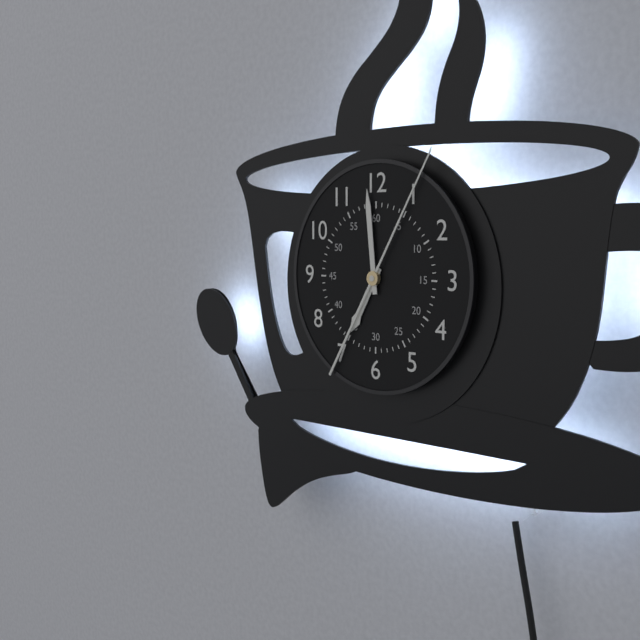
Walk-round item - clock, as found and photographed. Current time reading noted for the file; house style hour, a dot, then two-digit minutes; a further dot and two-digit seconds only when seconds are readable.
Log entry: 6.59.05
